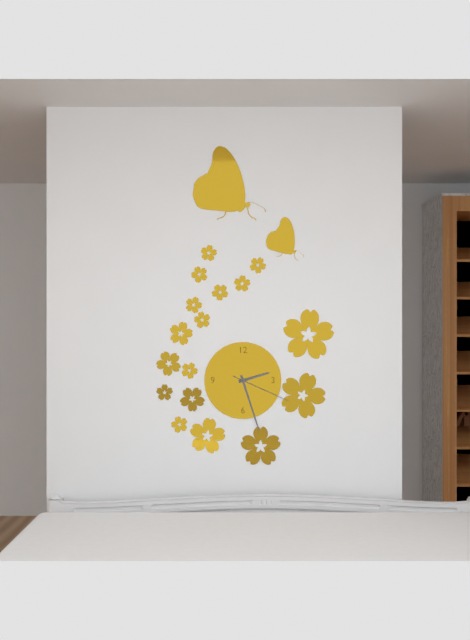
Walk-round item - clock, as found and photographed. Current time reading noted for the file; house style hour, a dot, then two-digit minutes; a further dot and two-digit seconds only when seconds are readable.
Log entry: 2.27.19
